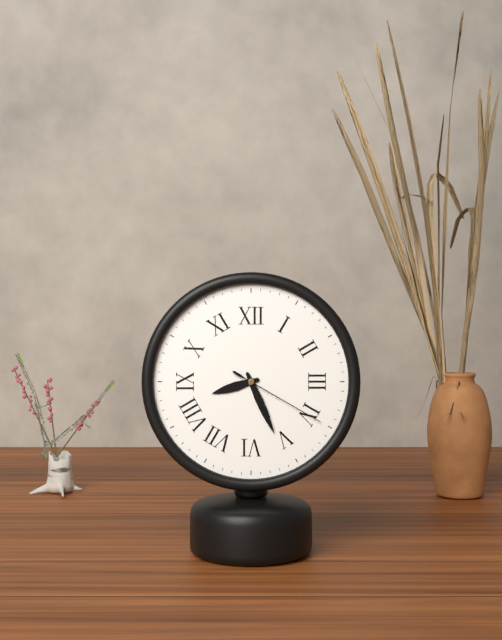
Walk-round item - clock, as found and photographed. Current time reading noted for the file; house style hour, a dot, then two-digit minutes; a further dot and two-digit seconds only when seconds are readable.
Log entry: 8.26.20
